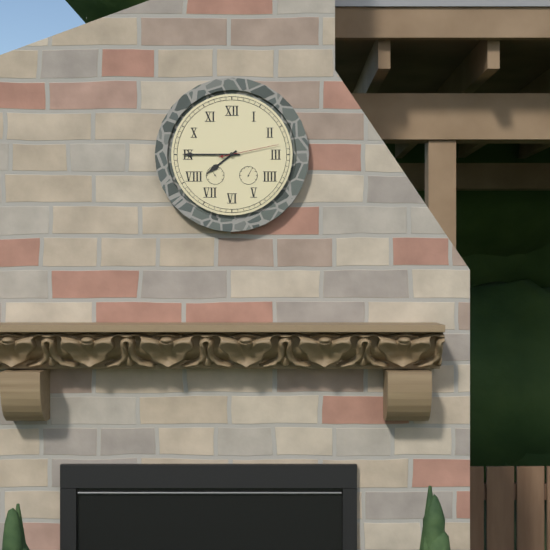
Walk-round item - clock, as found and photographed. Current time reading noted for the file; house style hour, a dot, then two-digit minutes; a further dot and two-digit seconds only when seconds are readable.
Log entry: 7.45.13
